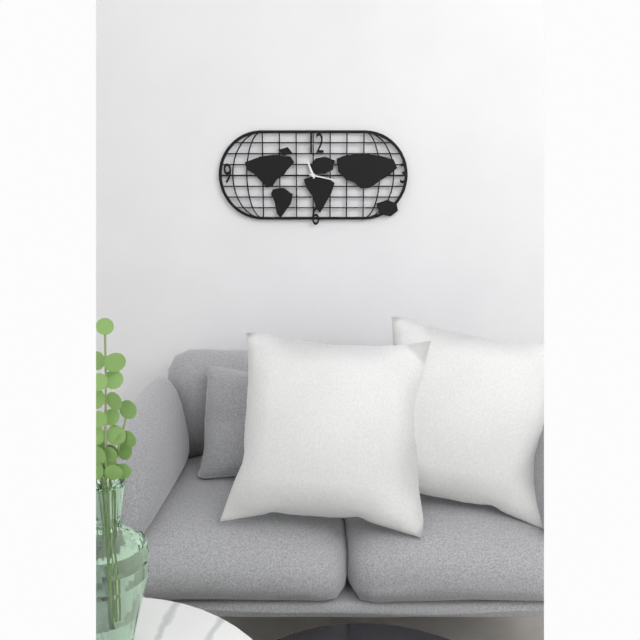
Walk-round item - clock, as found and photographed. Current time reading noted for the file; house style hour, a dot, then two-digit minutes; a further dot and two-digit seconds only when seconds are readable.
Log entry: 11.17
